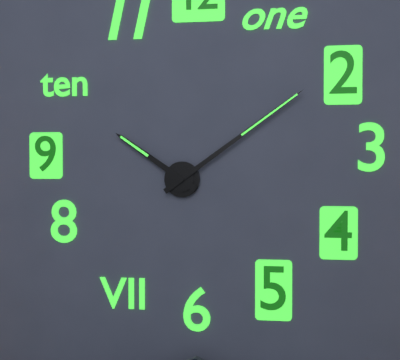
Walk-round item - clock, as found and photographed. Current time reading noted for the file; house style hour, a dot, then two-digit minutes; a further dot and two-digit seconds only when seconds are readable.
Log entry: 10.09
